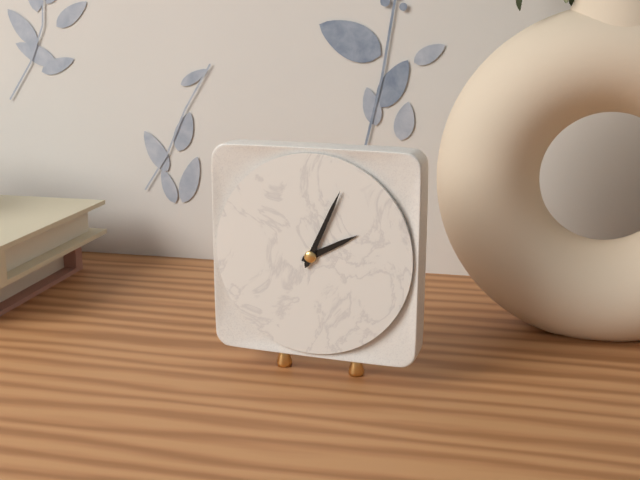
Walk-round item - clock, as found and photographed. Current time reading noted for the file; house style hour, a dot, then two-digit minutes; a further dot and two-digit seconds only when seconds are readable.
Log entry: 2.04
